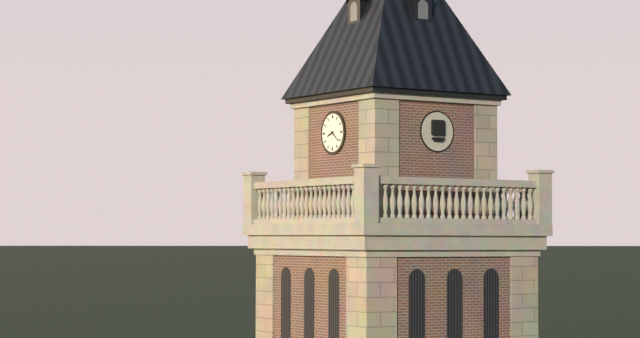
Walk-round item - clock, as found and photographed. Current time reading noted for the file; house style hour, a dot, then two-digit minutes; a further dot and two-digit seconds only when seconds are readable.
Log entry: 8.21
